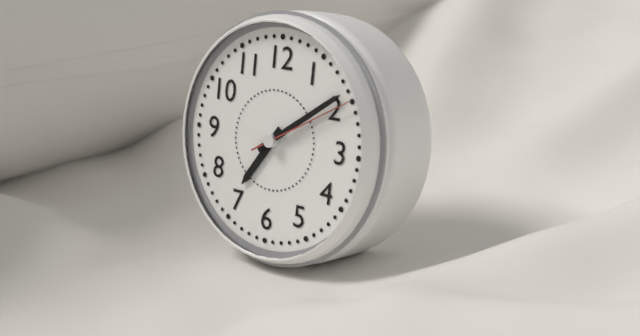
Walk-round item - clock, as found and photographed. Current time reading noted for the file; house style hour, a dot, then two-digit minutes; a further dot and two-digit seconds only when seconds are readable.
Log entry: 7.09.10
